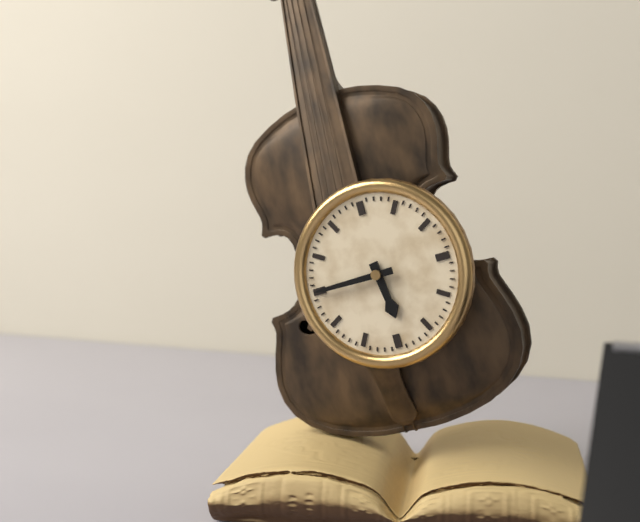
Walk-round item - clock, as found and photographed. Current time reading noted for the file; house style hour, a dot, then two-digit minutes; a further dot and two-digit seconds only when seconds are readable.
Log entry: 5.45
